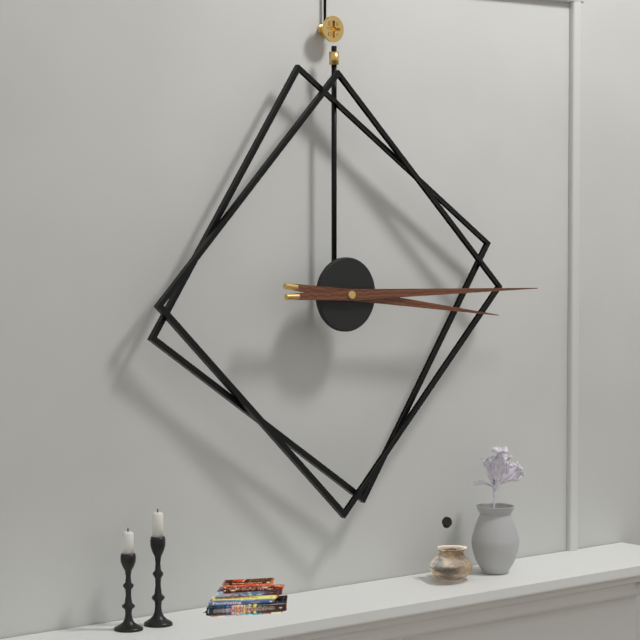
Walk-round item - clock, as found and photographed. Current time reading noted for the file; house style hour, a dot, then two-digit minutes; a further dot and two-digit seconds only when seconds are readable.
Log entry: 3.15
